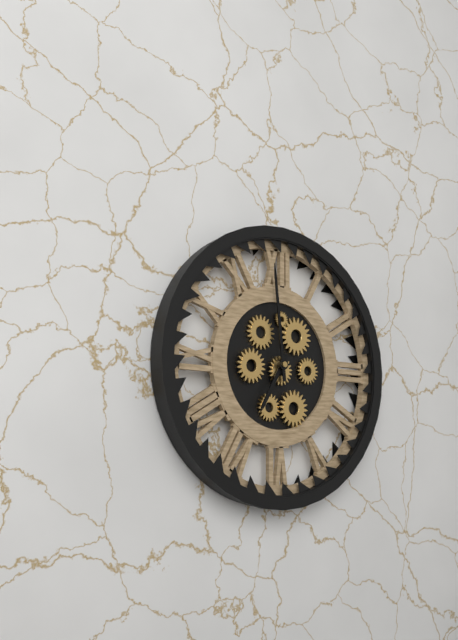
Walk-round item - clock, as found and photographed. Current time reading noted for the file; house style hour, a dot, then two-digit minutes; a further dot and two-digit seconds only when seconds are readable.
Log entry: 6.59
